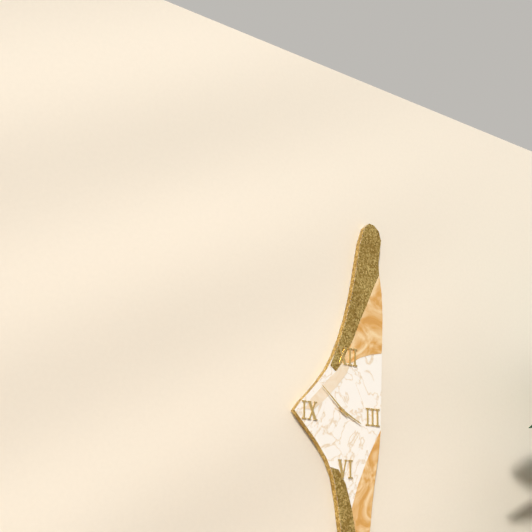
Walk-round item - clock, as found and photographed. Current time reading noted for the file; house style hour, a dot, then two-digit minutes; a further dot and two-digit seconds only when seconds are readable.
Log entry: 3.52
